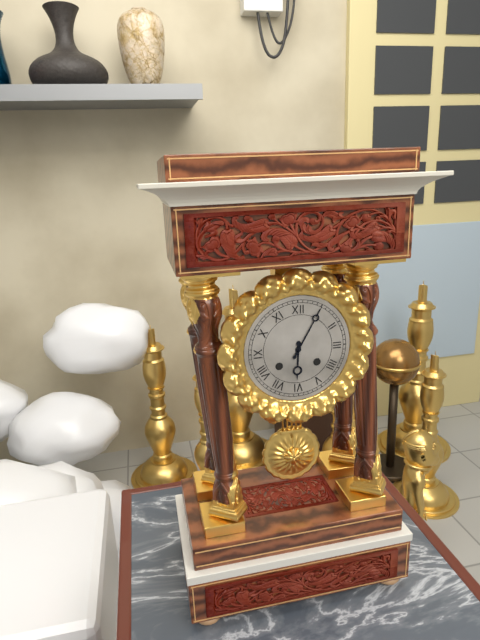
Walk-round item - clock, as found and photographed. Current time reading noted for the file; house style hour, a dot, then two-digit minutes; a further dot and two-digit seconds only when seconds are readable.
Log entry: 6.05
